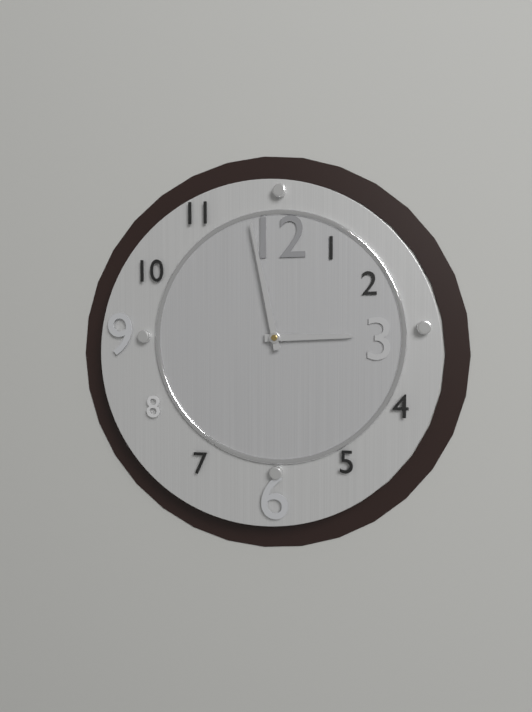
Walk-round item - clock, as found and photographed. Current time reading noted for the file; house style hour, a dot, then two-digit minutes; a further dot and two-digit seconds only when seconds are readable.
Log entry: 2.58
